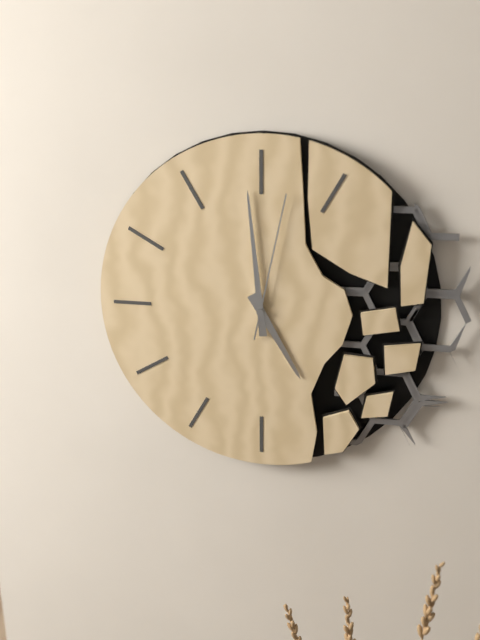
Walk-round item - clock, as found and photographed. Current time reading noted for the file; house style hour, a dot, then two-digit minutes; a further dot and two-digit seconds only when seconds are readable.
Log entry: 4.59.02
